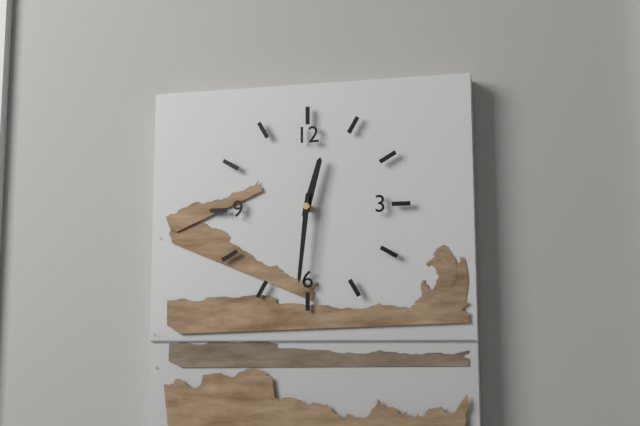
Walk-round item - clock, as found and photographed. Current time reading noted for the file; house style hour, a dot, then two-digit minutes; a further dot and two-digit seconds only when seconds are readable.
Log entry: 12.31
